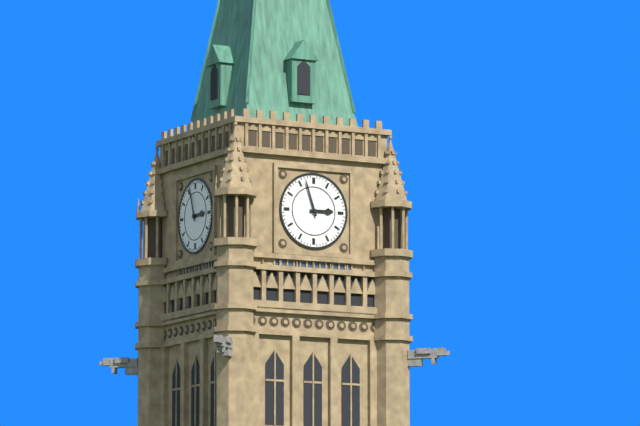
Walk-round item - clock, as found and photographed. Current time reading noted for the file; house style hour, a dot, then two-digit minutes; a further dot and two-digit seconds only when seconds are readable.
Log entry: 2.57
